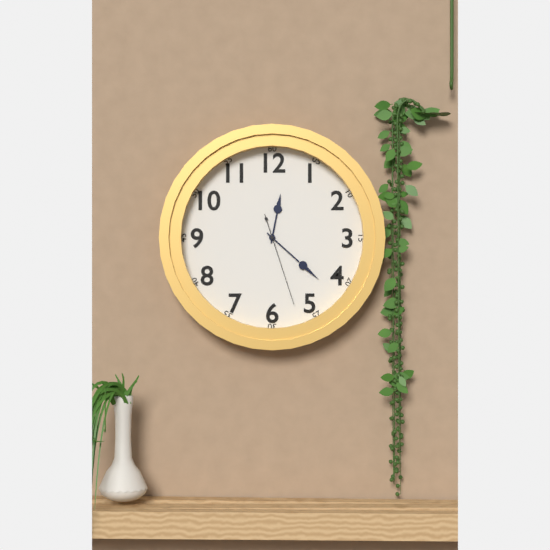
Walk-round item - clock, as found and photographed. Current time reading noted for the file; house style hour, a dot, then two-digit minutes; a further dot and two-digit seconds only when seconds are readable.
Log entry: 12.22.27
